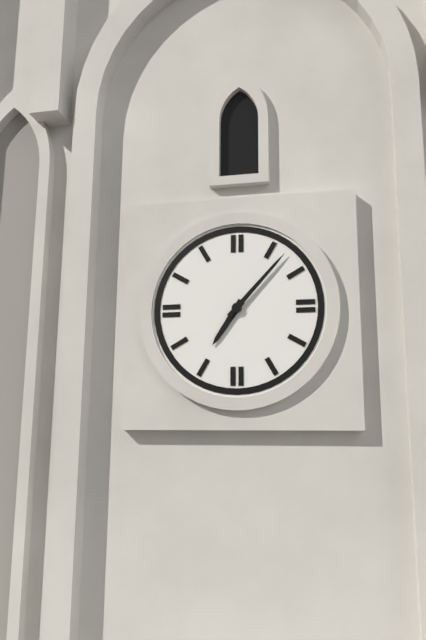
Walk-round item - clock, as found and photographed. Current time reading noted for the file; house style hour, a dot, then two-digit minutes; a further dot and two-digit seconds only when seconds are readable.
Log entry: 7.07
